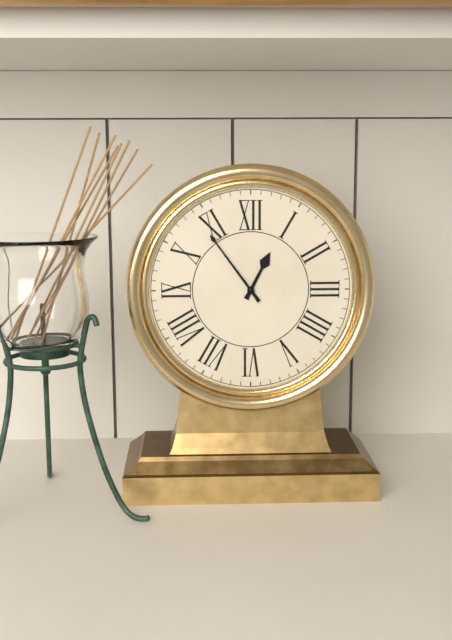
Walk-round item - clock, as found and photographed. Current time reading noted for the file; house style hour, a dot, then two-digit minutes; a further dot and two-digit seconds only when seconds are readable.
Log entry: 12.54
